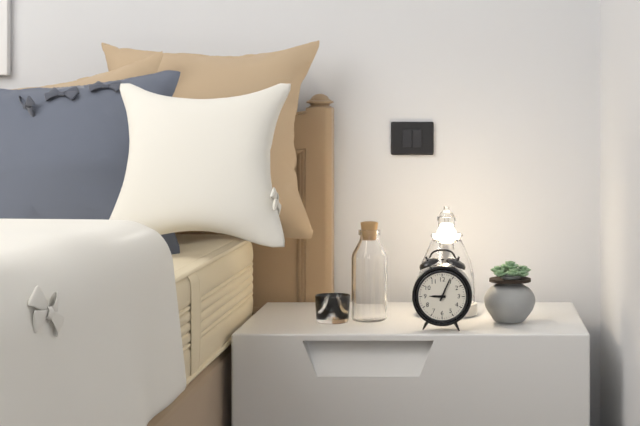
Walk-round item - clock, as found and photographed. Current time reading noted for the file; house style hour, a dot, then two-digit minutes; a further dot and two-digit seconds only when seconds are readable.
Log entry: 9.04
